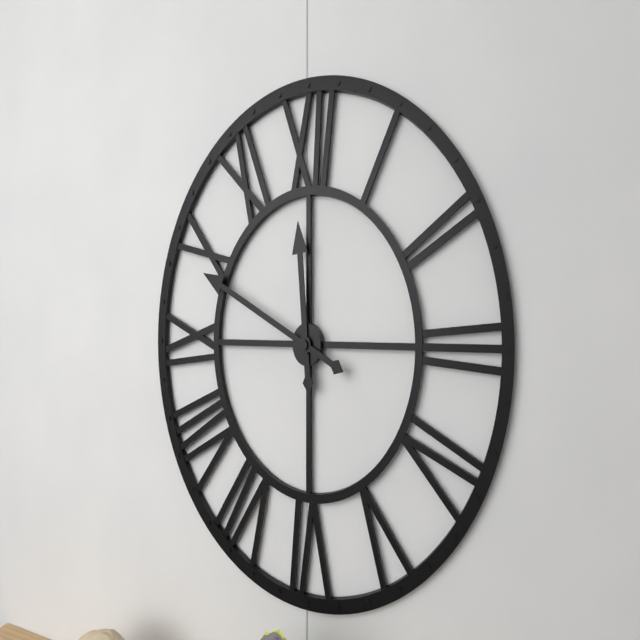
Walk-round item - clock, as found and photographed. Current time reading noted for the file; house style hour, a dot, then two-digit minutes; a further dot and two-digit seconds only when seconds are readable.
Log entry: 11.49
